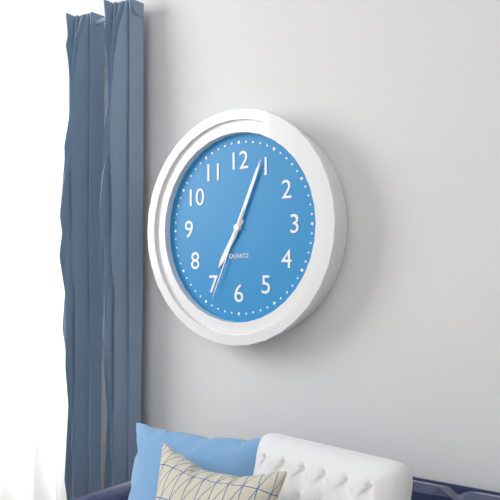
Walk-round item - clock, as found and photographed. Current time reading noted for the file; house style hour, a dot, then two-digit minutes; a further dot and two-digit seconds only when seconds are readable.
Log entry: 7.04.34
